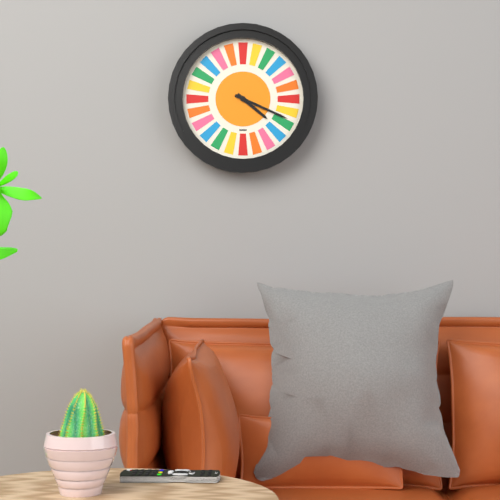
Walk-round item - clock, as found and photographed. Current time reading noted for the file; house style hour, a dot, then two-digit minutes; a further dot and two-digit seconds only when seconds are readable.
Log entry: 4.19
